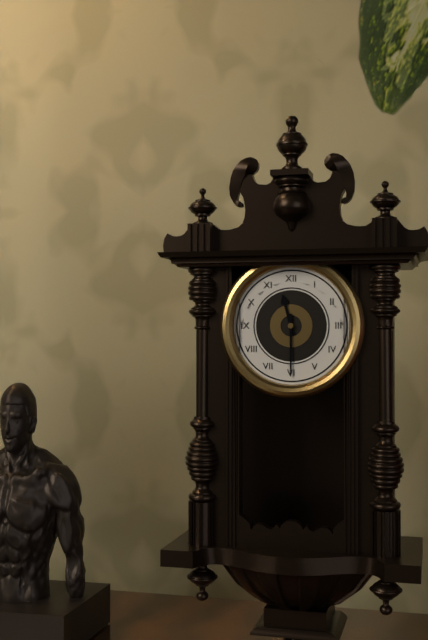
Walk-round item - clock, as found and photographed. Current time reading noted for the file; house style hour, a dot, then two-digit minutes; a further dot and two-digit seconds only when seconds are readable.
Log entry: 11.30
